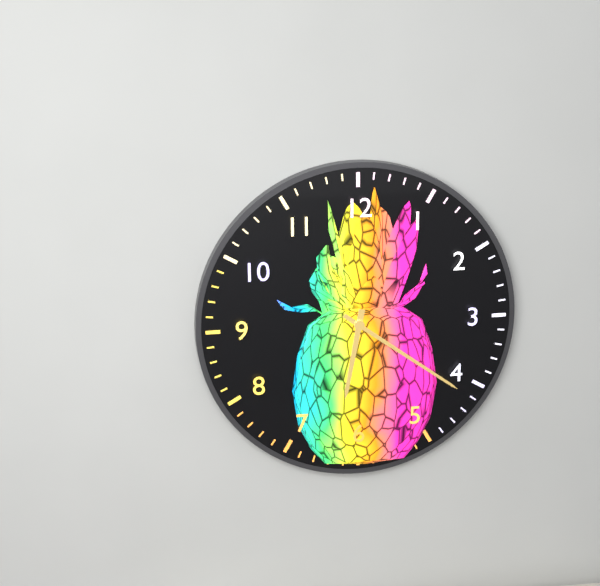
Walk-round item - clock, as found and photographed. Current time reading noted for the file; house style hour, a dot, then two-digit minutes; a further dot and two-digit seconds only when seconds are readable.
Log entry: 6.21
